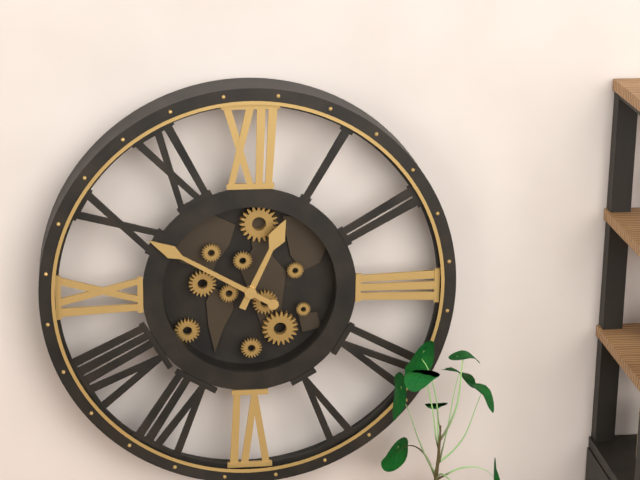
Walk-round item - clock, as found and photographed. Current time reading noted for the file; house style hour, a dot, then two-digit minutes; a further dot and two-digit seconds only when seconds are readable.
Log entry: 12.50
